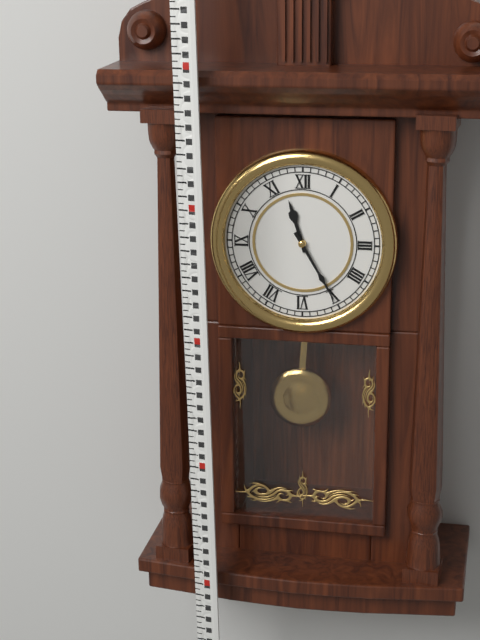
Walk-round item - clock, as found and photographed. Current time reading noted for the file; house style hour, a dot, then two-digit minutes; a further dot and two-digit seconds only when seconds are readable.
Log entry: 11.25
